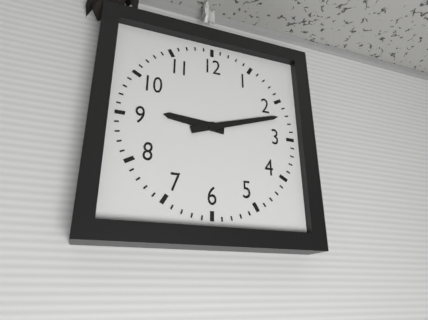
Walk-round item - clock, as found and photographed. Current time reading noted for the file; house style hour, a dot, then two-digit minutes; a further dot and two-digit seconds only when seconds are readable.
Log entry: 9.12
